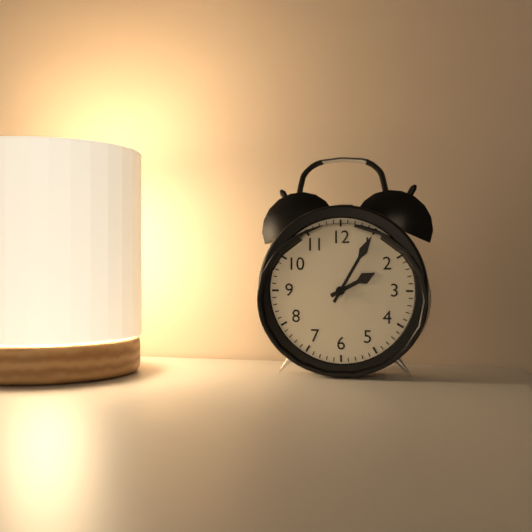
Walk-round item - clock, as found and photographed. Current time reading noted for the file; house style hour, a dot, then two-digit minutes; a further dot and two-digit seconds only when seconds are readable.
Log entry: 2.05
